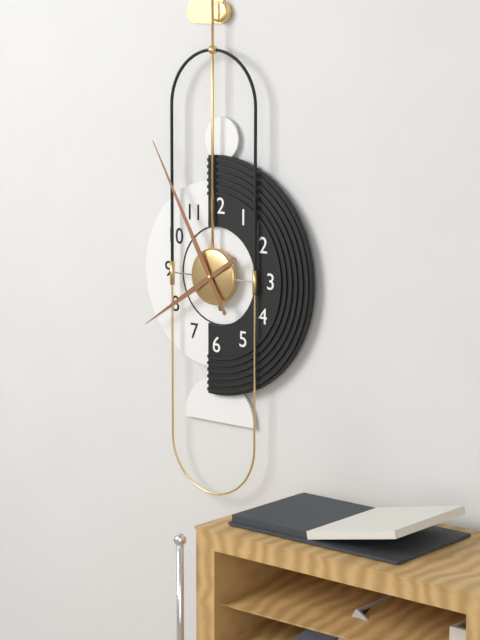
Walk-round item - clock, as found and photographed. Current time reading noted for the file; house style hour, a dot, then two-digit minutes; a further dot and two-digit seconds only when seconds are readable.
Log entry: 7.55
